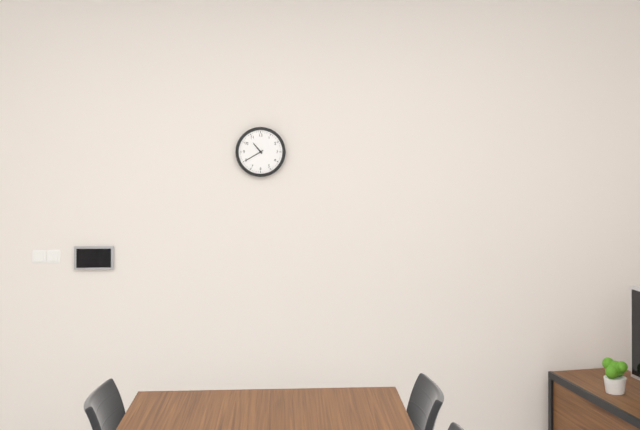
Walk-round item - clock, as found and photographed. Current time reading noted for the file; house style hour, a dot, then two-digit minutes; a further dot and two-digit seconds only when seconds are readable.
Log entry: 10.40
